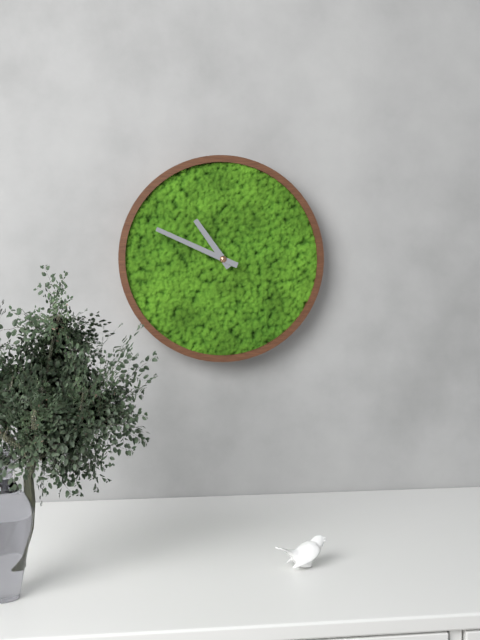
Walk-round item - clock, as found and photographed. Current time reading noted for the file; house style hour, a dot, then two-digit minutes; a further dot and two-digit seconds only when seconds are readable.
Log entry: 10.49
